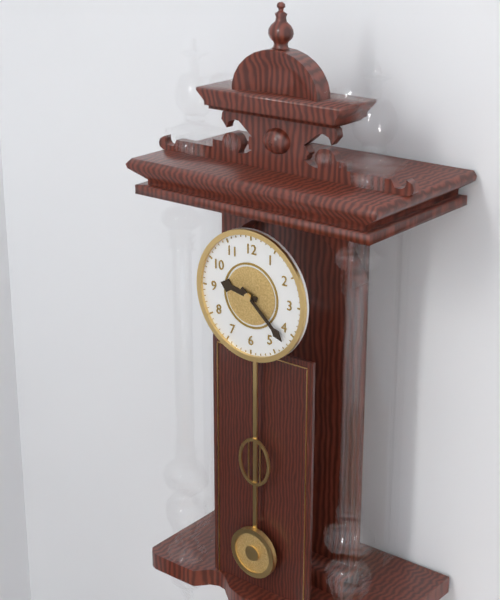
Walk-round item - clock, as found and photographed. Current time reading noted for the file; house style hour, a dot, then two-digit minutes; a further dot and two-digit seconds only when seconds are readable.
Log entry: 9.22
